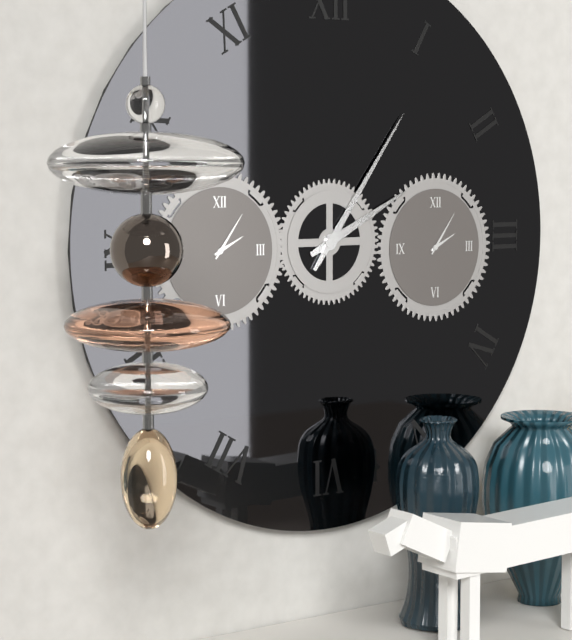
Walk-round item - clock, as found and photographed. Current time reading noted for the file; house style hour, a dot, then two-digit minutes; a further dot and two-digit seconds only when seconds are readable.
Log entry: 2.06
